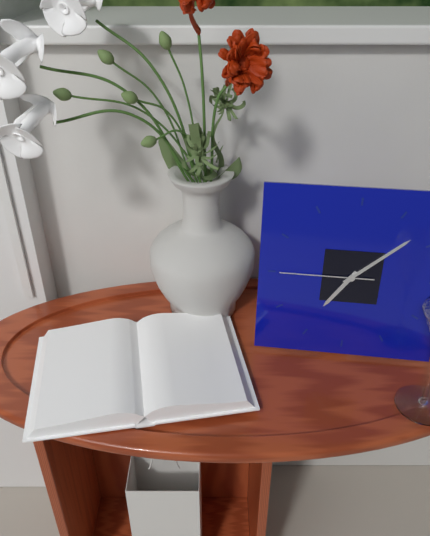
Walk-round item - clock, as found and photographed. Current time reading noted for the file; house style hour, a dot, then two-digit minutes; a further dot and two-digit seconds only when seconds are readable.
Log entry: 7.08.45
